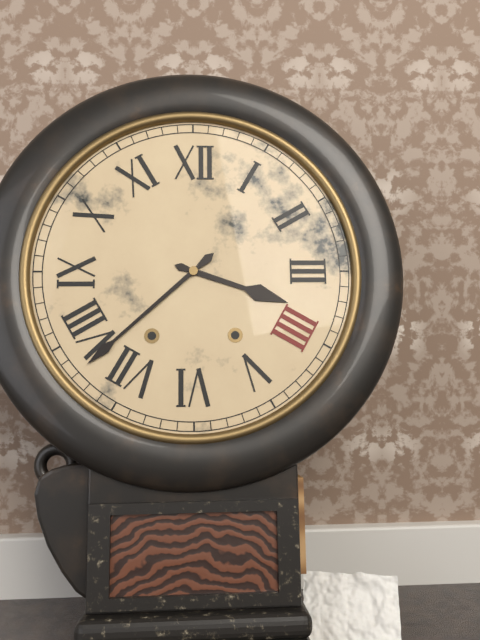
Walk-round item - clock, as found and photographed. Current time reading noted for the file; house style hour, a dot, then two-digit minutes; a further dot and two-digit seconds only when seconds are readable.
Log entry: 3.38
